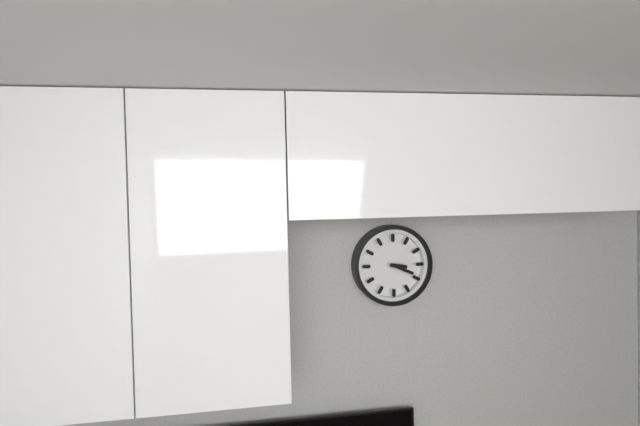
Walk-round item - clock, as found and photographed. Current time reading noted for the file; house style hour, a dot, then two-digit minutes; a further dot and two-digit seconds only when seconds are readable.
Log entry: 3.19
